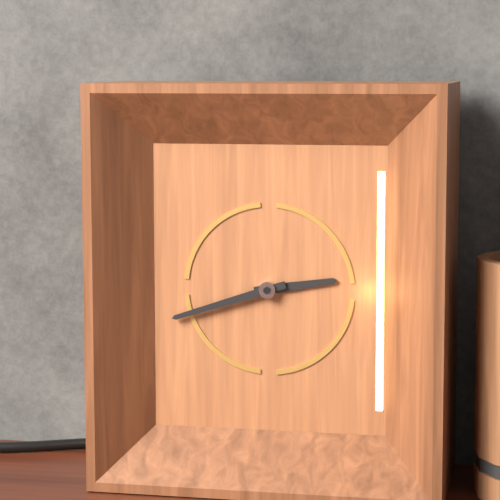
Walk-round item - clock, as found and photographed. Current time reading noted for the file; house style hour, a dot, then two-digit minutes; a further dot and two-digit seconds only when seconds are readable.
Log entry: 2.42
